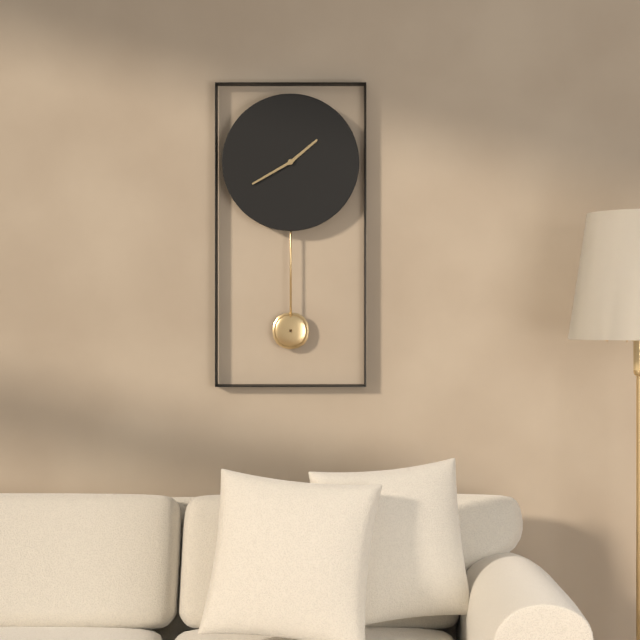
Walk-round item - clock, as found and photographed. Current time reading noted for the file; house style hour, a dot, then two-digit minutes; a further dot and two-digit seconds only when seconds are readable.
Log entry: 1.40
